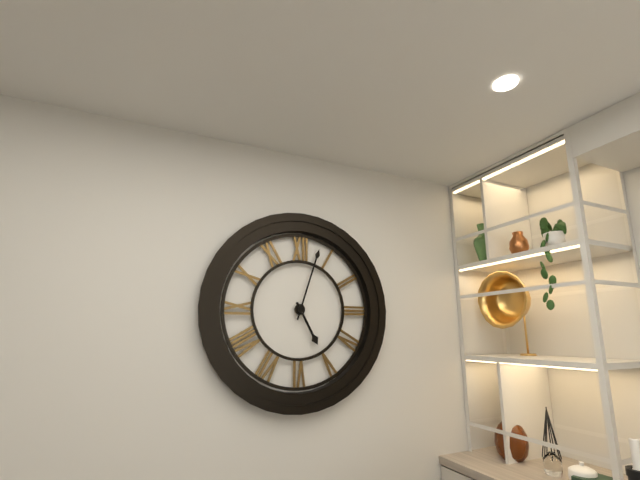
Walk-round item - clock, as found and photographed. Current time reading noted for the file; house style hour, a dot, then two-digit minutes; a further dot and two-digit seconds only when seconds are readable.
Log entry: 5.03
